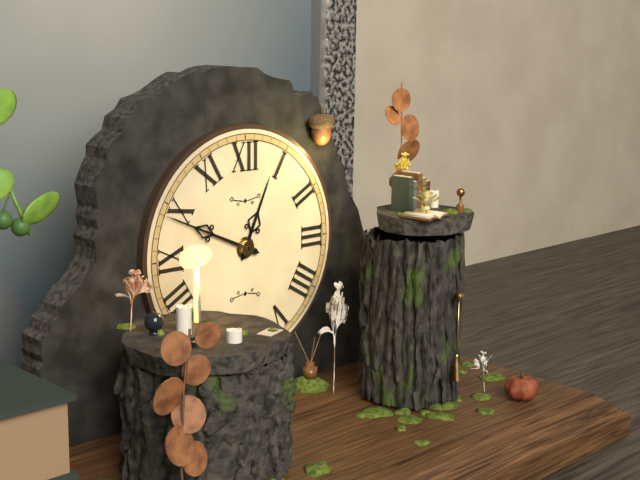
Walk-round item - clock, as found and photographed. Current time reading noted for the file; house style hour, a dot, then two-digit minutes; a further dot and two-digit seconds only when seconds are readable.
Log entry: 12.49
